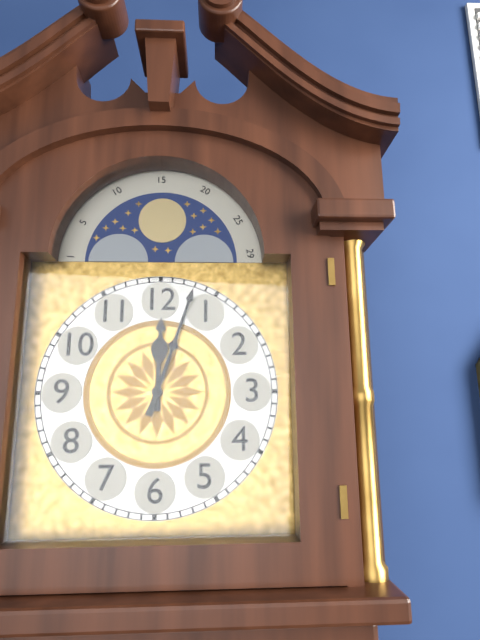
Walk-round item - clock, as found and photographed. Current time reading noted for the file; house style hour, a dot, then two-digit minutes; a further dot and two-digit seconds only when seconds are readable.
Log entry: 12.03
